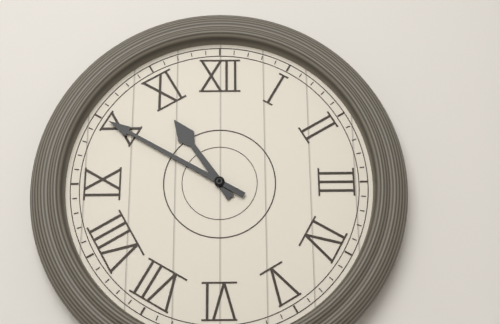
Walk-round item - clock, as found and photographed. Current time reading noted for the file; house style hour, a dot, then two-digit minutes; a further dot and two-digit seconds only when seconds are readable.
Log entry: 10.50
